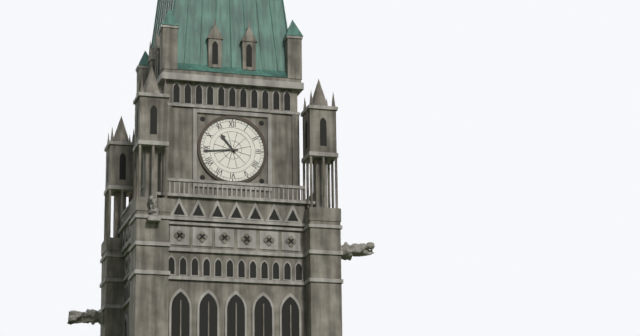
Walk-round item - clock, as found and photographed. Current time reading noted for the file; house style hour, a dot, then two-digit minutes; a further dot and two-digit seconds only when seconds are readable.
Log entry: 10.44
